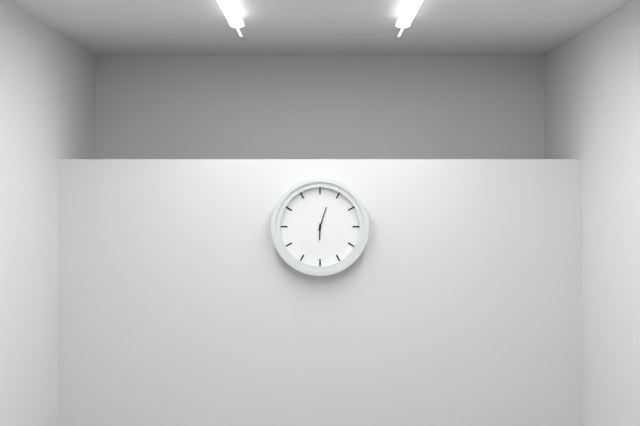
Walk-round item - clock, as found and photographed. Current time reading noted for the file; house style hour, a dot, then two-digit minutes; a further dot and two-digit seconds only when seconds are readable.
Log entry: 6.03
